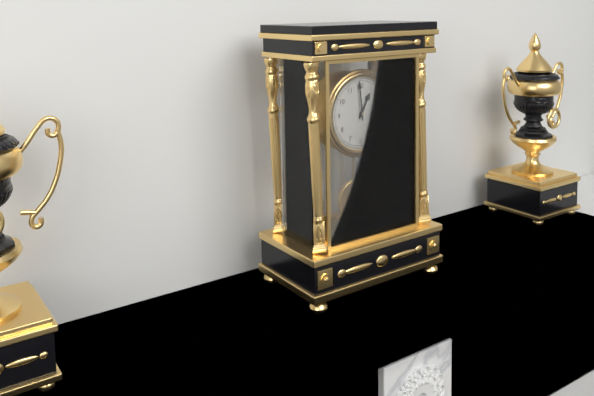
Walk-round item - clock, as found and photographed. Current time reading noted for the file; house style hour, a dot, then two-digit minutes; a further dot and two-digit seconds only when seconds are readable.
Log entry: 12.59
